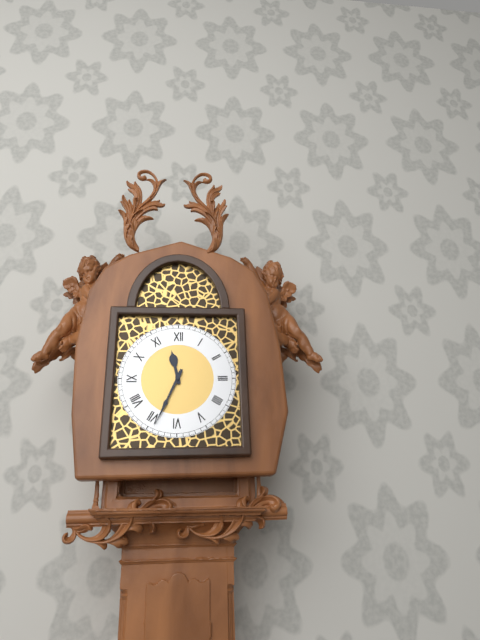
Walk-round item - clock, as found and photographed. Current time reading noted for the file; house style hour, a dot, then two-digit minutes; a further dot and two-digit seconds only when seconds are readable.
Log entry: 11.34
